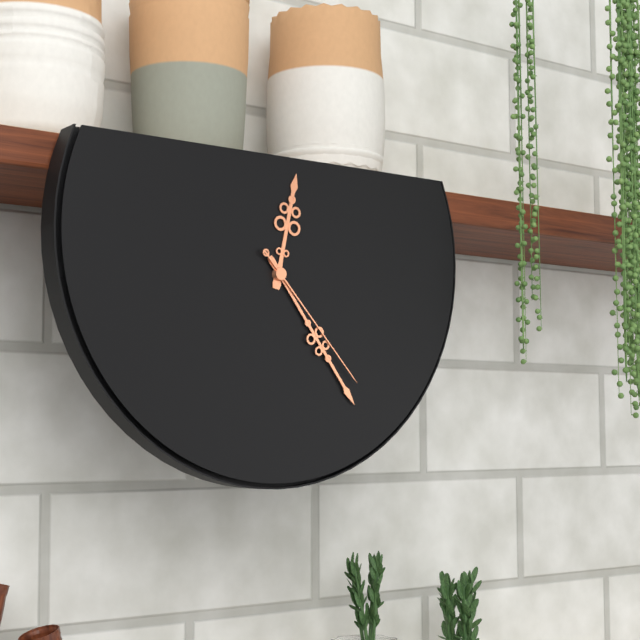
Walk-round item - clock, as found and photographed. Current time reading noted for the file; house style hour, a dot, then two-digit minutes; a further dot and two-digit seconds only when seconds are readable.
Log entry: 12.24.23
